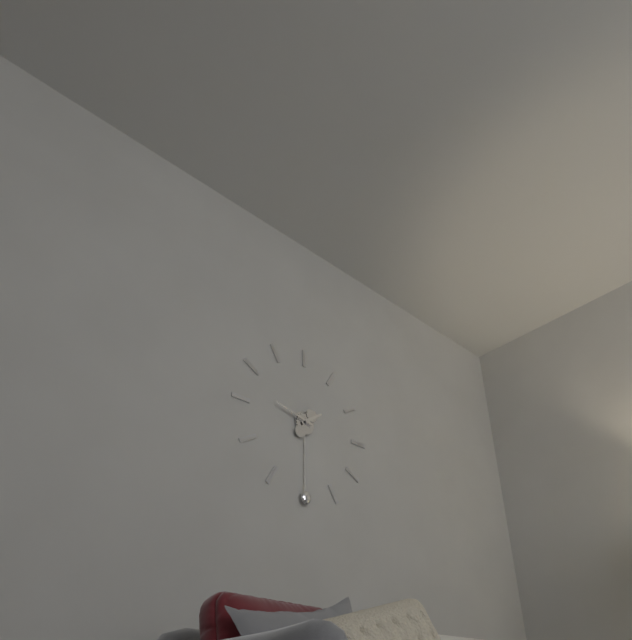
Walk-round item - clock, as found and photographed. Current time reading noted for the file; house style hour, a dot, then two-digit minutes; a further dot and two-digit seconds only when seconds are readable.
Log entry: 1.47
